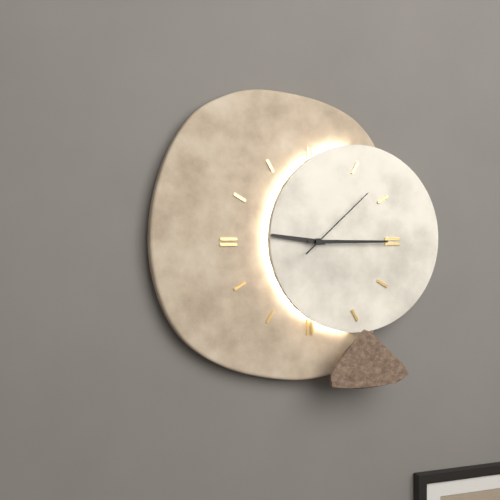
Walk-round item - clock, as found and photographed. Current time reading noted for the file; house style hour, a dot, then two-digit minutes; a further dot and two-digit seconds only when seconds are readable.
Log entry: 9.15.08
